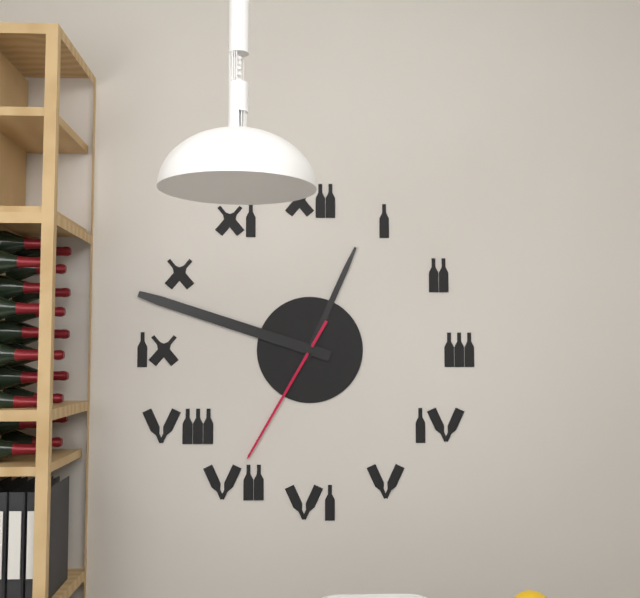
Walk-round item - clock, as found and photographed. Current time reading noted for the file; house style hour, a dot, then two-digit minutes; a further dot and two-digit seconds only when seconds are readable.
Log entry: 12.48.35
